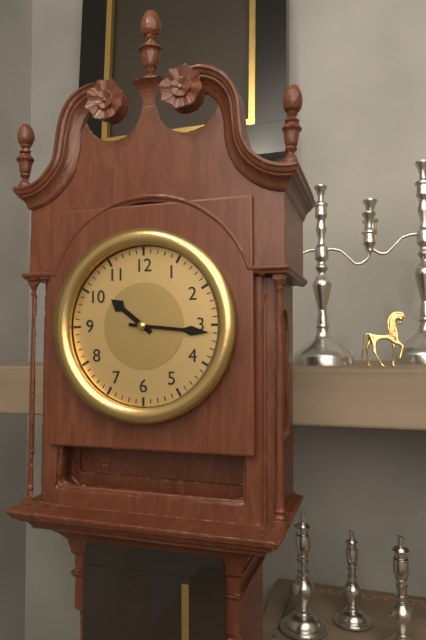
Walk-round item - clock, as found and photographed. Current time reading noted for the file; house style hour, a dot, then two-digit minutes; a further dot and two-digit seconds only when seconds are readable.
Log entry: 10.16
